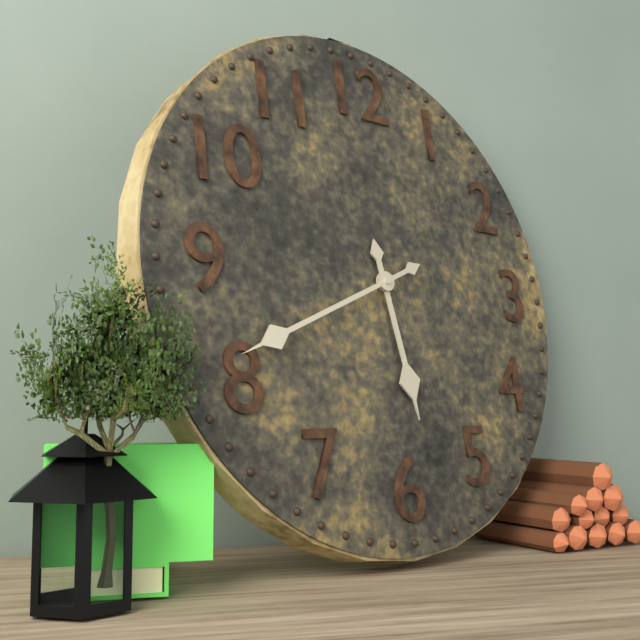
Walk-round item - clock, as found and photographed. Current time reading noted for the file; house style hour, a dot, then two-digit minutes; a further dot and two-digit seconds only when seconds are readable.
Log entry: 5.41
